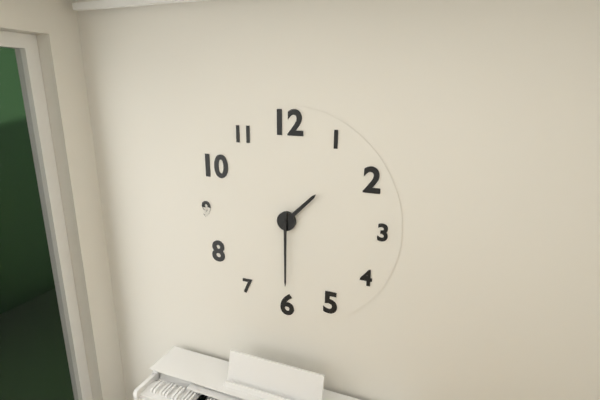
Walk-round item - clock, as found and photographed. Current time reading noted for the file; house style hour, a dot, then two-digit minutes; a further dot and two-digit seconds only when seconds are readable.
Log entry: 1.30
